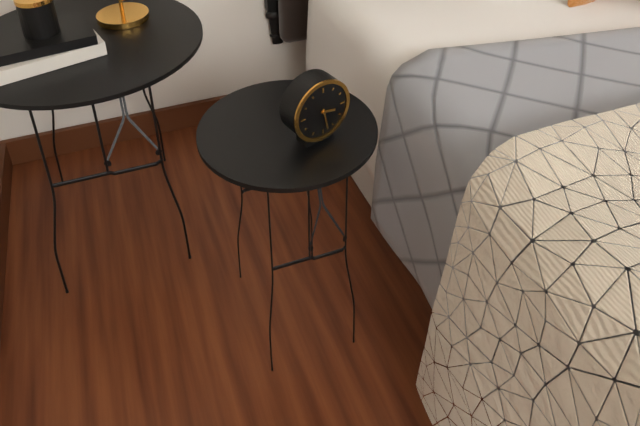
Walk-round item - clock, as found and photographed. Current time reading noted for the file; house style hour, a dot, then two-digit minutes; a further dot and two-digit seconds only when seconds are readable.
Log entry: 3.28
